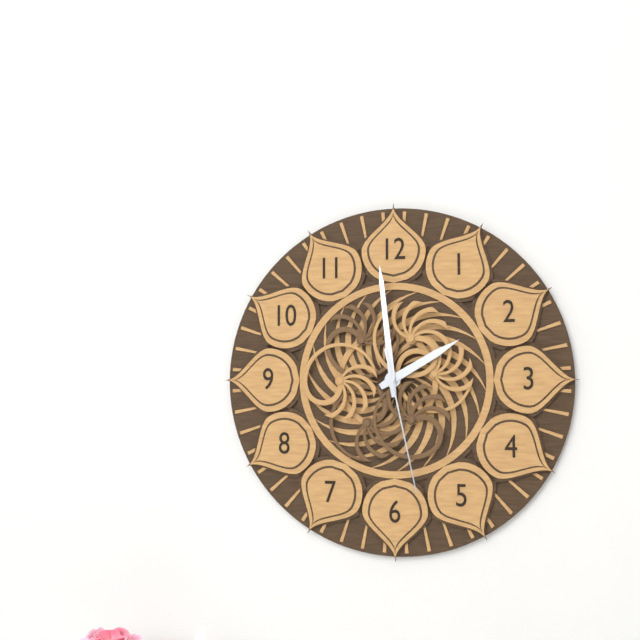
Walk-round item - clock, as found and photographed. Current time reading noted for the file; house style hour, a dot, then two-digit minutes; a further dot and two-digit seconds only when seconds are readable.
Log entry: 1.59.28
